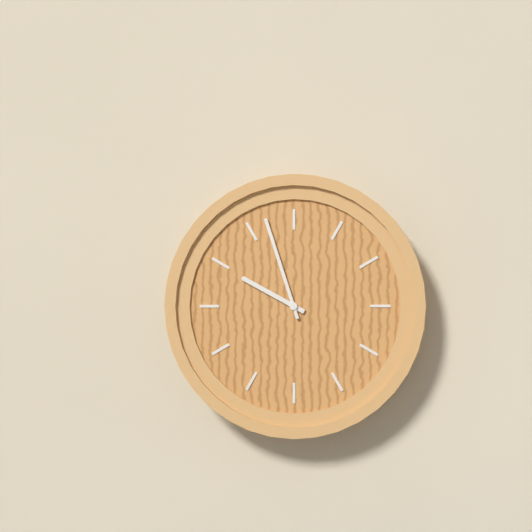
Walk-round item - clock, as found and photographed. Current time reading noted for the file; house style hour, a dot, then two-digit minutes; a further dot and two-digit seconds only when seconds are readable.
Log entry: 9.57
